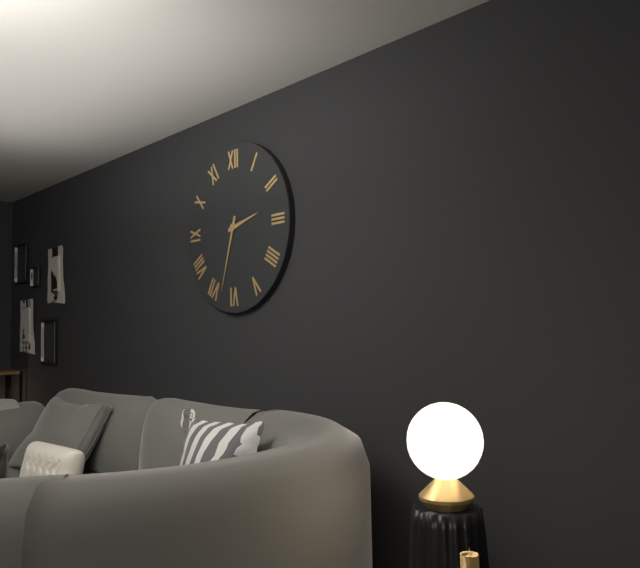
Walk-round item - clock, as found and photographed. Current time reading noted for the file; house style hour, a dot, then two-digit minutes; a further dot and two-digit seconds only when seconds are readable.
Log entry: 2.33
